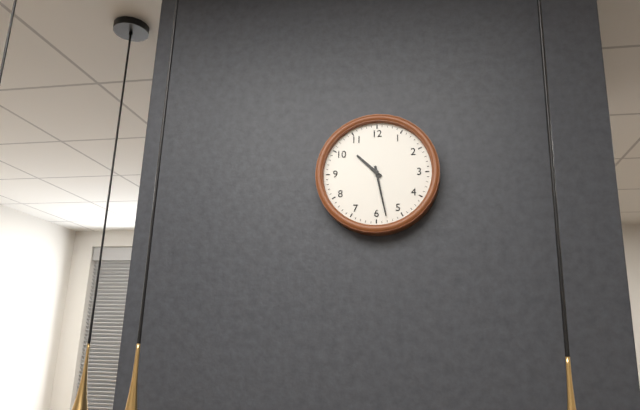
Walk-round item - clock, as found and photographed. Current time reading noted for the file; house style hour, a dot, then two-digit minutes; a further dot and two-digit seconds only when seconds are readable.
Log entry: 10.28
